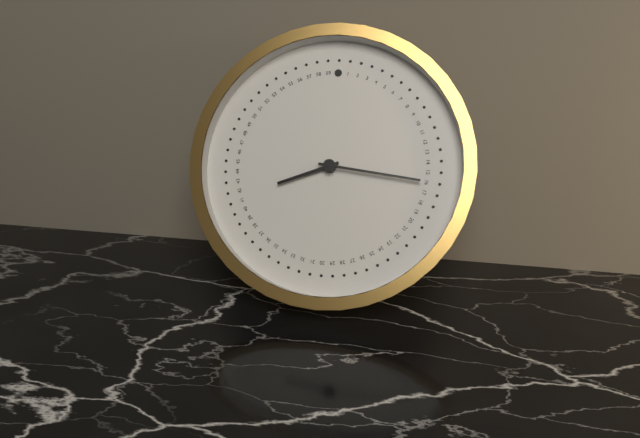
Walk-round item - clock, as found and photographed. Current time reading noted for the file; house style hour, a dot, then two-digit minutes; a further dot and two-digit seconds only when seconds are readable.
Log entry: 8.16
